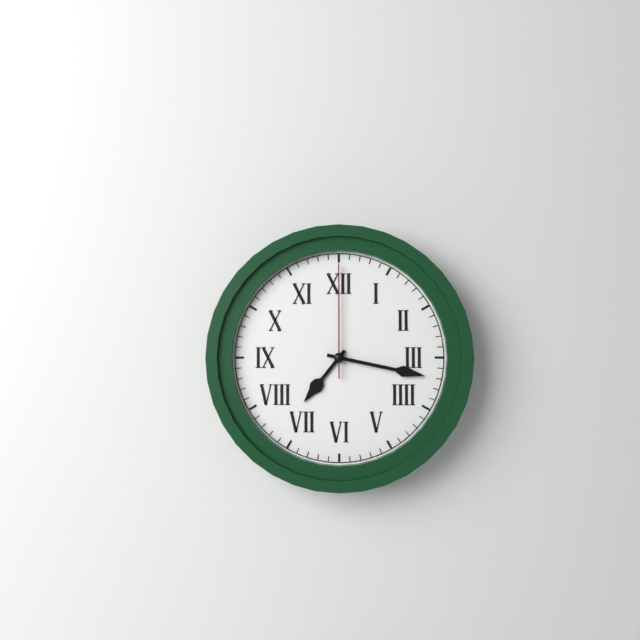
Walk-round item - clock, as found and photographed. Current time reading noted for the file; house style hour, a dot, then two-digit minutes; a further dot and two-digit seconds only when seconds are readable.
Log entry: 7.17.00
